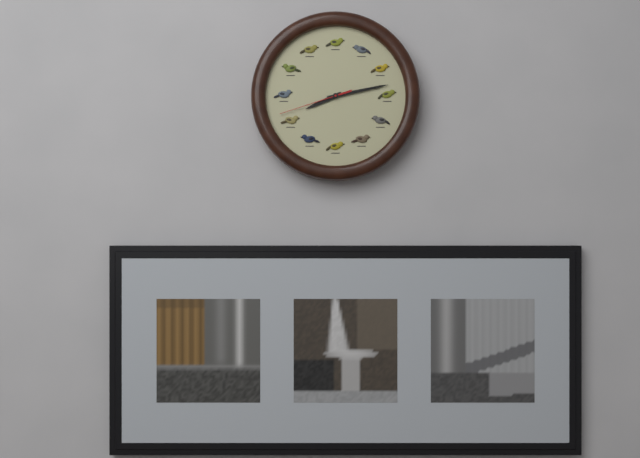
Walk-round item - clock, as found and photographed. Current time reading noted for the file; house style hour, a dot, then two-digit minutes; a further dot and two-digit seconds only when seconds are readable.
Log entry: 8.13.42
